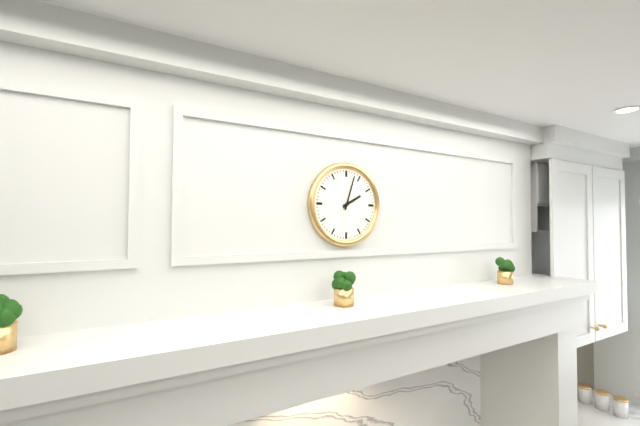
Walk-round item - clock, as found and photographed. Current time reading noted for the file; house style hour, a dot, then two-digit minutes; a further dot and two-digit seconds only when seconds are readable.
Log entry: 2.03
